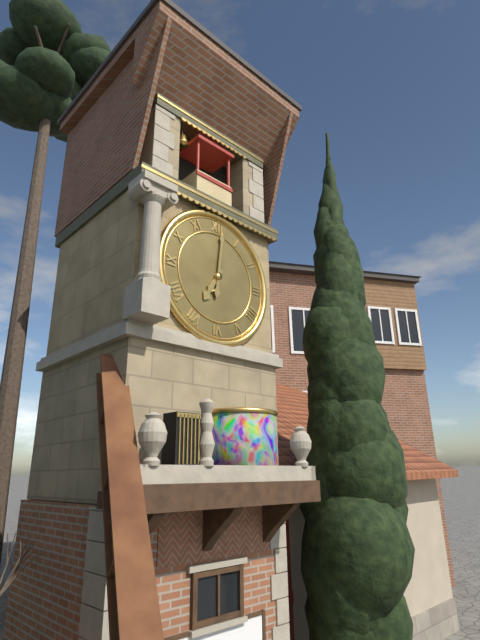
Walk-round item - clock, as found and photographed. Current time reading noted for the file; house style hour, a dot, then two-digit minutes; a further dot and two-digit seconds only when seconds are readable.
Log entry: 7.01
